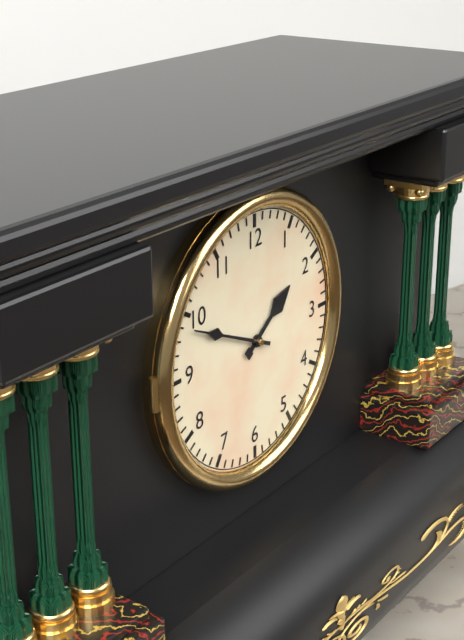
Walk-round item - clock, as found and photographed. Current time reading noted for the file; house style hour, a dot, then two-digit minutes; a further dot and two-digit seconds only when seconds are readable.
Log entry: 1.49
